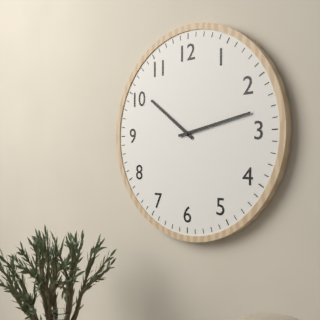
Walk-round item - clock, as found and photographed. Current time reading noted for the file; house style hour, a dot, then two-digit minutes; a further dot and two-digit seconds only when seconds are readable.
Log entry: 10.13
